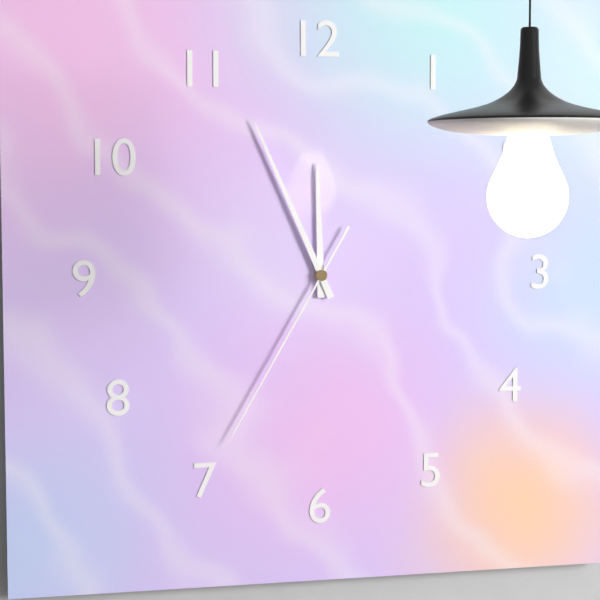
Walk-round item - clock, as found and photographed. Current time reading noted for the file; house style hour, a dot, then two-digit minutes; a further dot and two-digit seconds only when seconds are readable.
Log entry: 11.56.35
